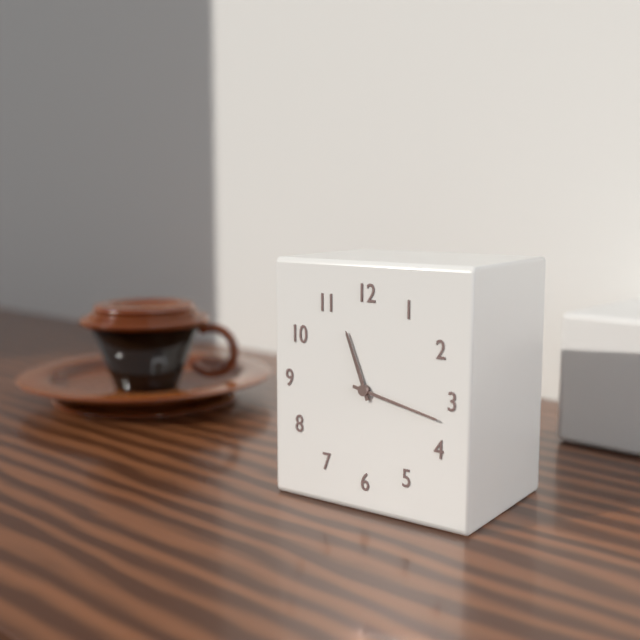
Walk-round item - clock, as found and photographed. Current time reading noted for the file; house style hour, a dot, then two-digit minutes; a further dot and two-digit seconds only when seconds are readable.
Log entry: 11.17
